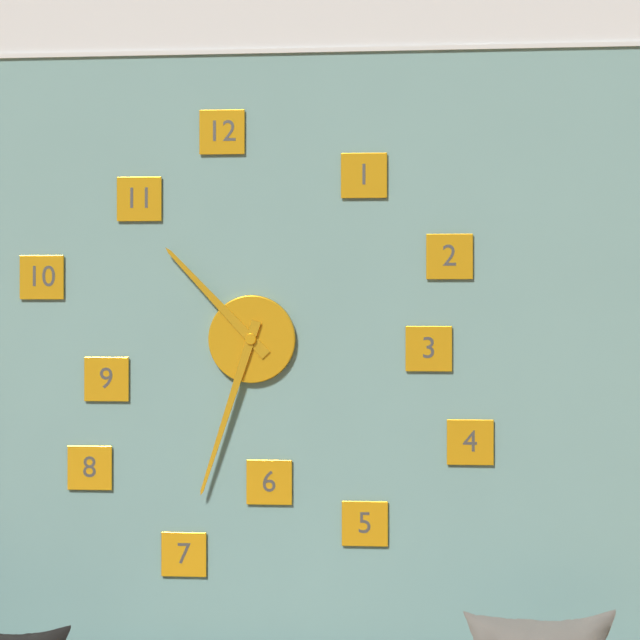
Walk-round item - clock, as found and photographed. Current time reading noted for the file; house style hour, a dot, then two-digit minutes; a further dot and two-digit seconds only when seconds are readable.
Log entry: 10.33
